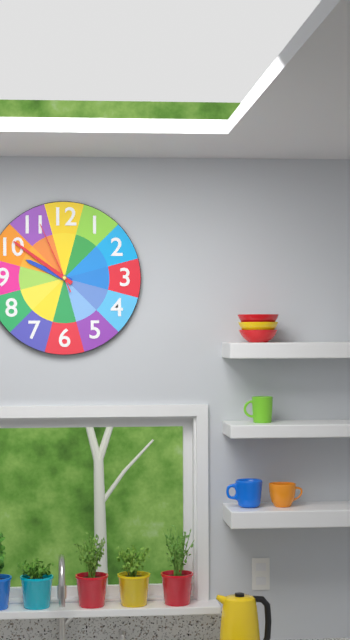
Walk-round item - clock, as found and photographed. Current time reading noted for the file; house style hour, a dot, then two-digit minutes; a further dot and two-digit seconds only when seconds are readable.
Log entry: 9.51.56
